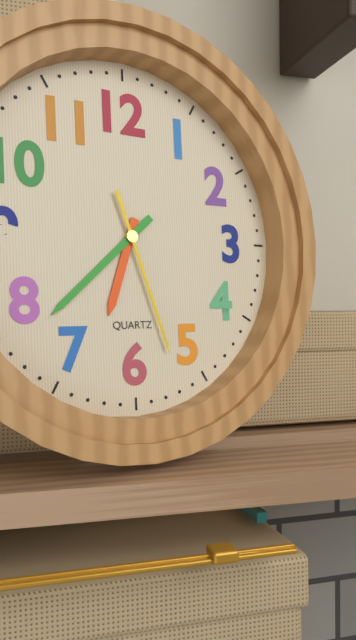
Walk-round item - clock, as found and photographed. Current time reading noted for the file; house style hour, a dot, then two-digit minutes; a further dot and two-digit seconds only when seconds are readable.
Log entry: 6.38.27
